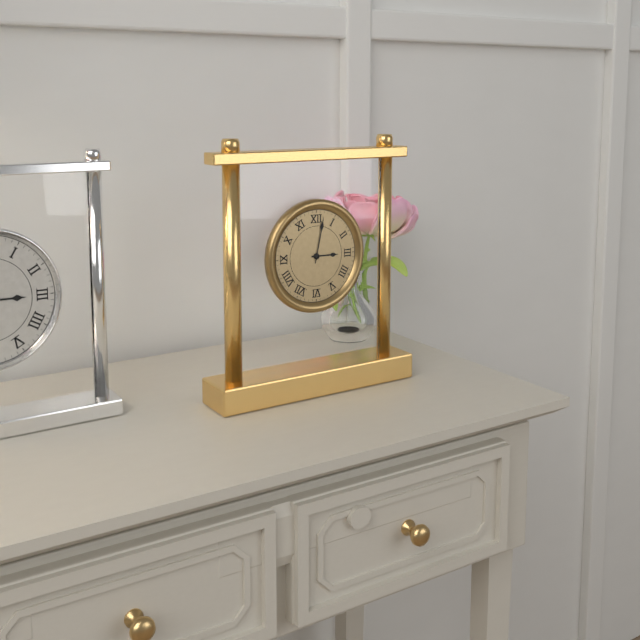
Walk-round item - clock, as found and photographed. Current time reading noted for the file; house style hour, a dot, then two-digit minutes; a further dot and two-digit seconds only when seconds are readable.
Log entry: 3.02
